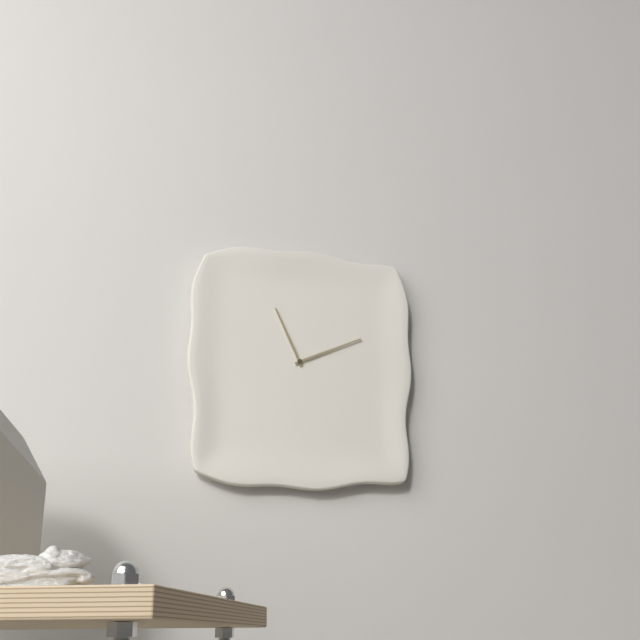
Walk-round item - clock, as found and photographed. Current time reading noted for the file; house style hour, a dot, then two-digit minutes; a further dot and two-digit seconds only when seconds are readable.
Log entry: 11.11
